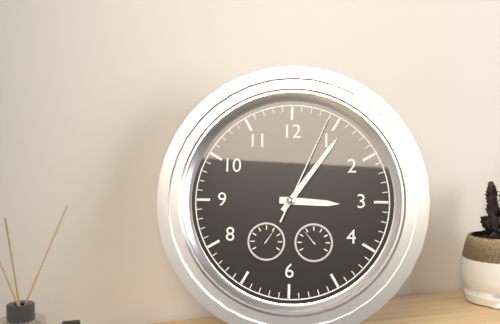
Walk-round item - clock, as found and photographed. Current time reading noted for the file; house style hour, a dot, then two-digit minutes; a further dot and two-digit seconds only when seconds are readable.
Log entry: 3.06.04
